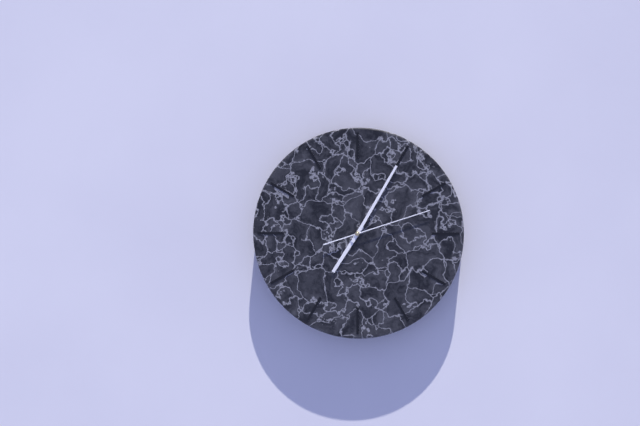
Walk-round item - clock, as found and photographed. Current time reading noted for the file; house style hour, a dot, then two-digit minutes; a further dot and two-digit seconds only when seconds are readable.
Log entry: 7.05.12
